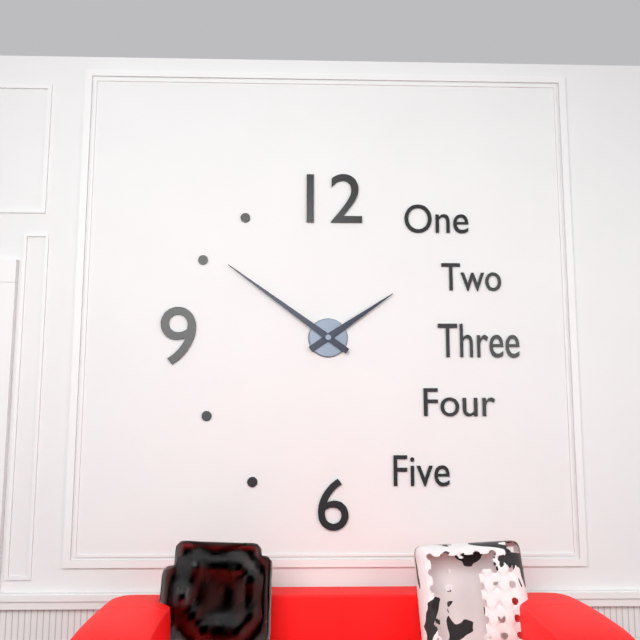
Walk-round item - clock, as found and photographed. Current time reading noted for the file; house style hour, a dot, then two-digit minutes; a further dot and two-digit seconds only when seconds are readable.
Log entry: 1.51
